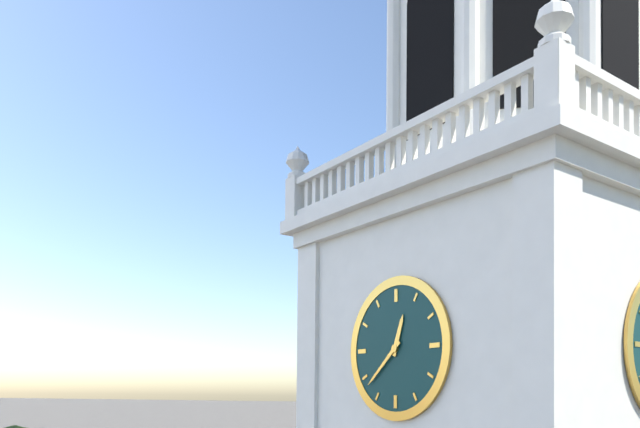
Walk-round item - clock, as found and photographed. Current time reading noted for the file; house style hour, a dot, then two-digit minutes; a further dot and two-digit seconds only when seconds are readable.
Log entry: 12.38
